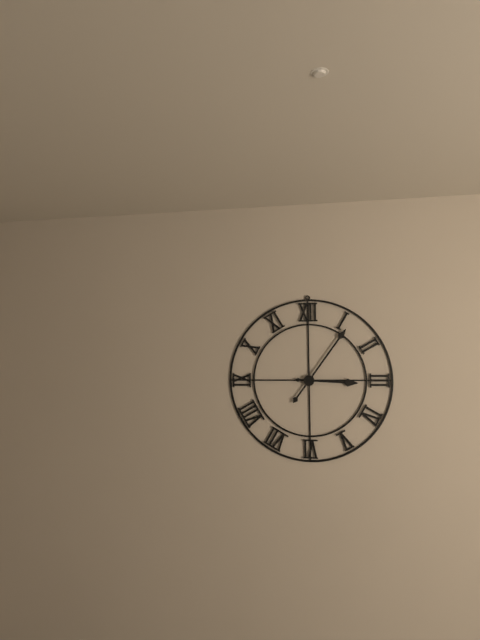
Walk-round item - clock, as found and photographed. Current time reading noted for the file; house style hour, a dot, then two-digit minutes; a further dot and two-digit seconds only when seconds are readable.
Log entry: 3.06
